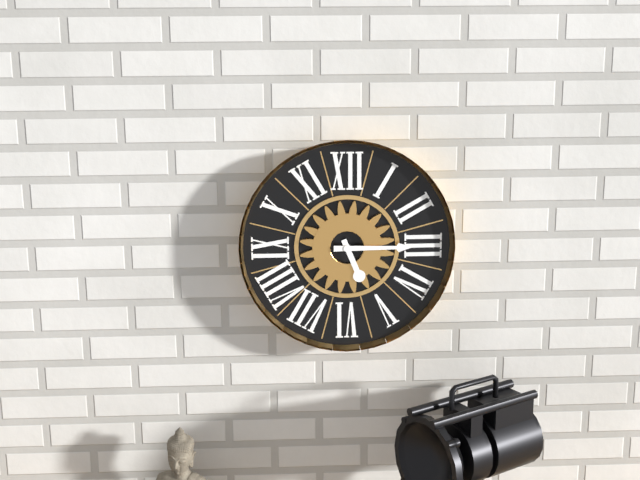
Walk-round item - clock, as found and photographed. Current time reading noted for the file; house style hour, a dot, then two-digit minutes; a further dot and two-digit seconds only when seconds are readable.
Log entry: 5.15
